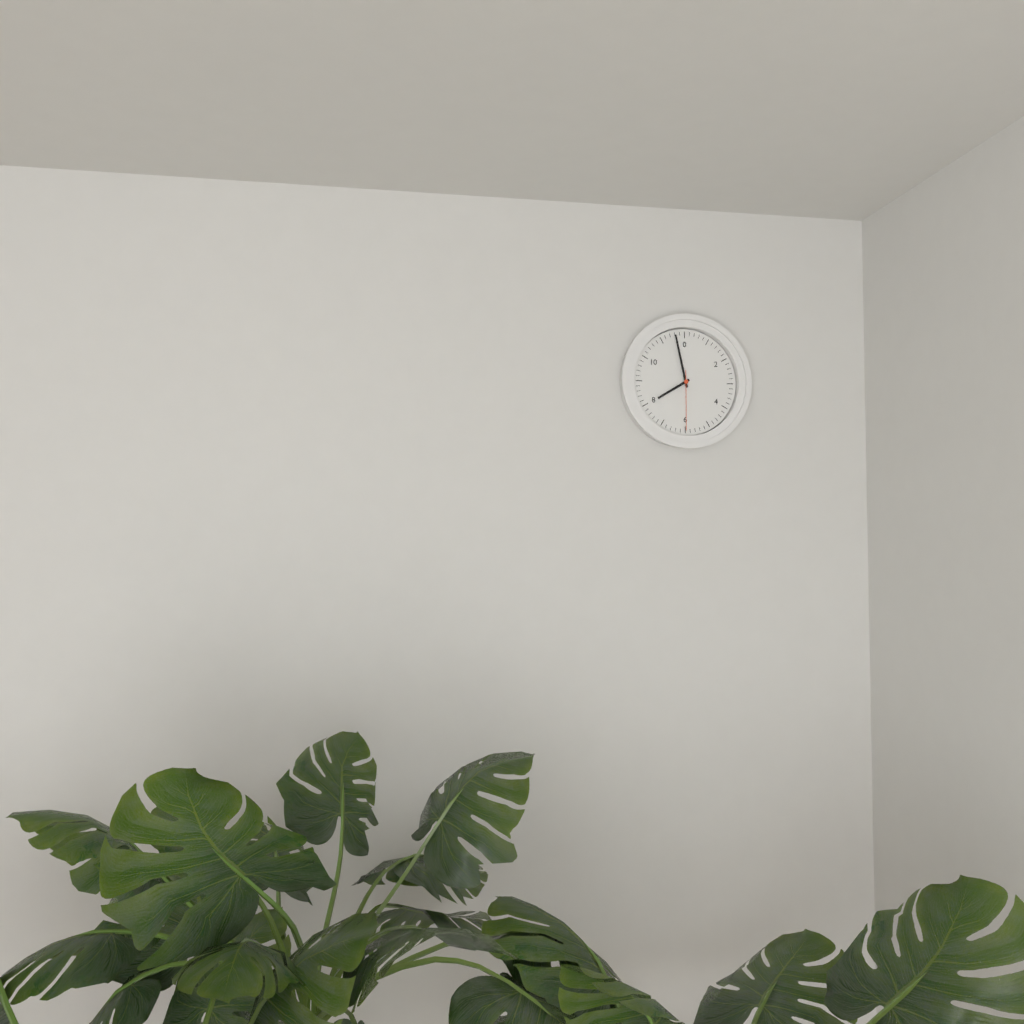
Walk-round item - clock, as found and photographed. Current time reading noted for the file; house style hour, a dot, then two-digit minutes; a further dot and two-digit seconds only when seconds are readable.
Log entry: 7.58.30
